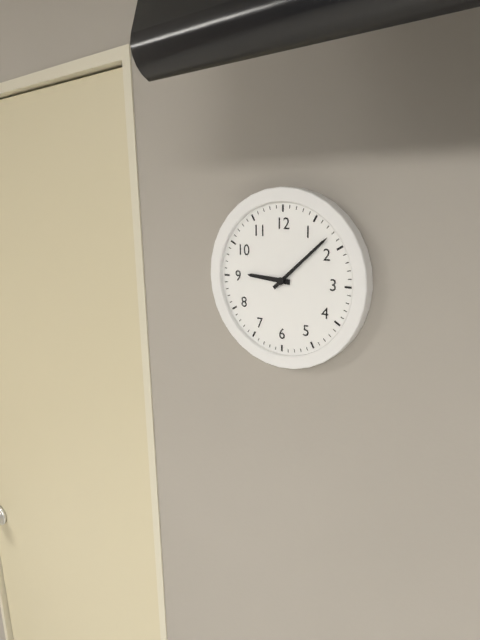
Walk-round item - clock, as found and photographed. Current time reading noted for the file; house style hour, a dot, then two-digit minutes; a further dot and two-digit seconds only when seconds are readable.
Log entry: 9.08
